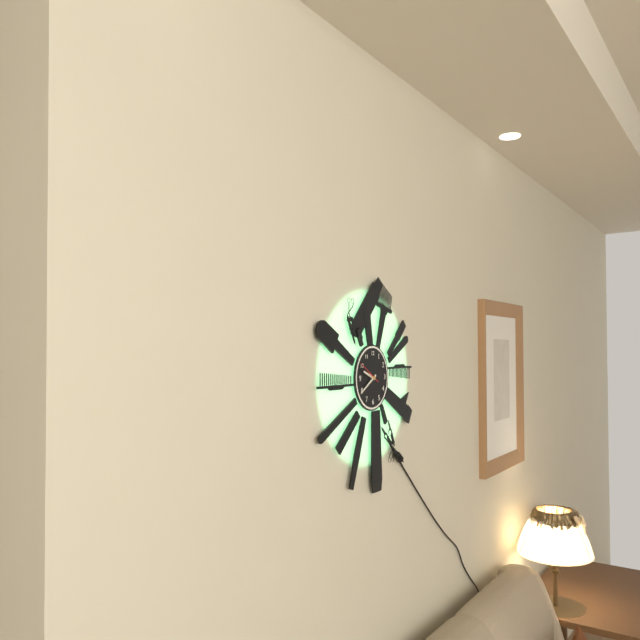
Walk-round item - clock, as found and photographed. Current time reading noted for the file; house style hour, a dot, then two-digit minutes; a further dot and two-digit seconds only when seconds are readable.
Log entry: 9.40
